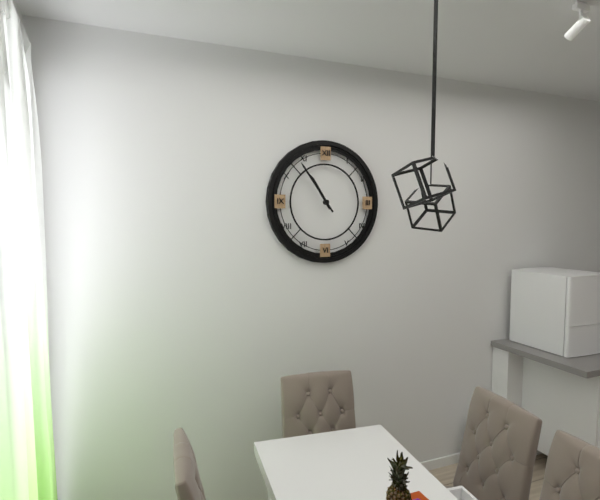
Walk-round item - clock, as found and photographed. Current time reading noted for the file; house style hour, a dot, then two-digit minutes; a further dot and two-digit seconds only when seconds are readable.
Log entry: 10.54
